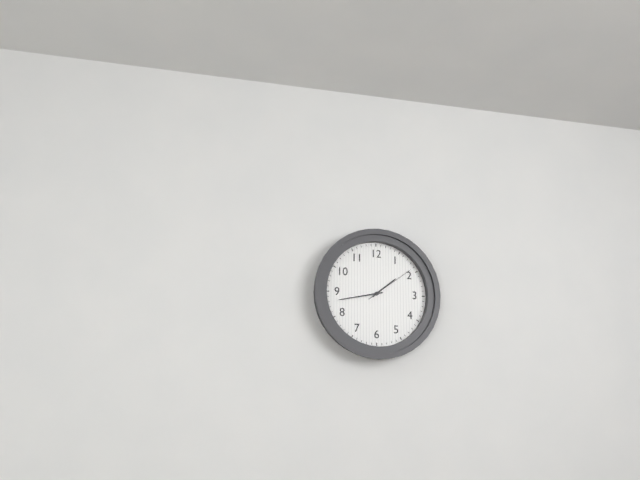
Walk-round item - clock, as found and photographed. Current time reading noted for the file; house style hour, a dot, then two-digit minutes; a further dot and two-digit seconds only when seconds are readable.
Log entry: 1.43.09
